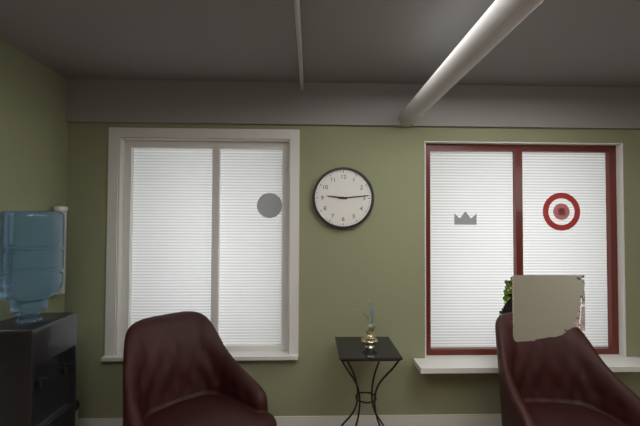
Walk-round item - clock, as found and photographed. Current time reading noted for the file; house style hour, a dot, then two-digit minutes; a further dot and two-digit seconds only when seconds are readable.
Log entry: 9.14
